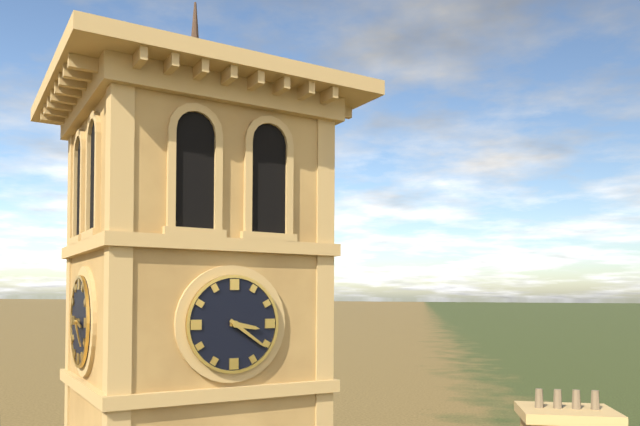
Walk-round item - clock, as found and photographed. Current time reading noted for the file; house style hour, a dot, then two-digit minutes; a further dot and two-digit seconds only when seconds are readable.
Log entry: 3.21
